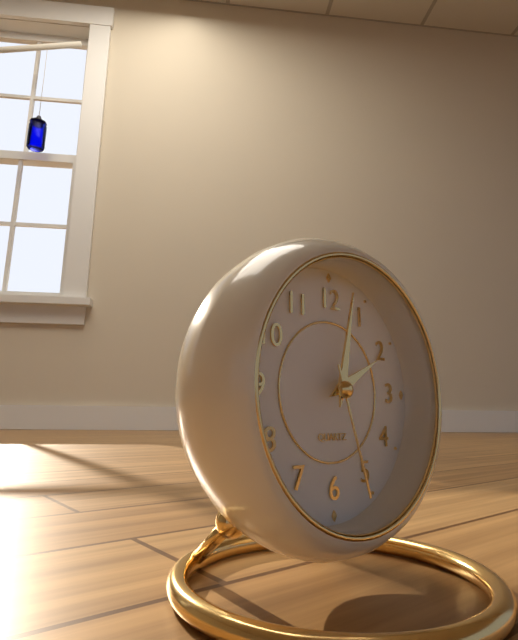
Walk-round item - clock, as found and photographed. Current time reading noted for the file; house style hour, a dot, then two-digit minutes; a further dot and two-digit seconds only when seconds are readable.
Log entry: 2.02.27
